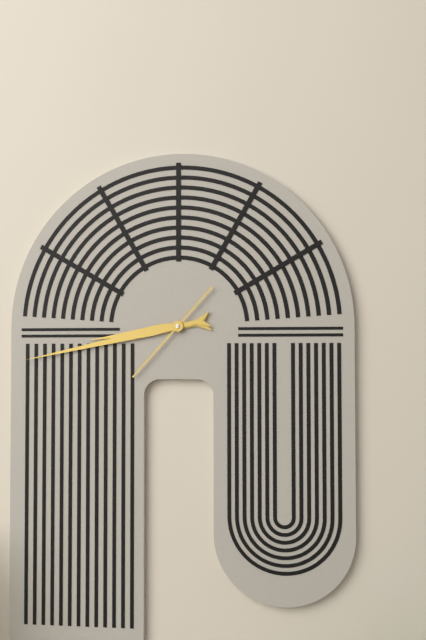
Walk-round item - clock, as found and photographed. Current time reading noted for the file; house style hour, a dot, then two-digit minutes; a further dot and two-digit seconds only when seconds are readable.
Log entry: 8.43.37
